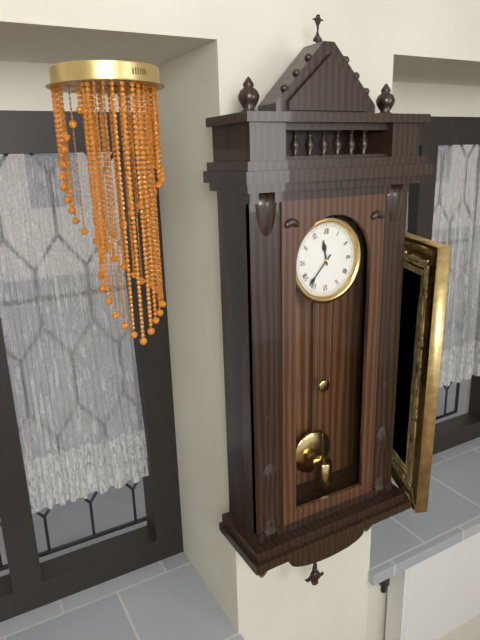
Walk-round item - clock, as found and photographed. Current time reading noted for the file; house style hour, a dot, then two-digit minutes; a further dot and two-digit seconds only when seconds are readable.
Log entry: 11.37
